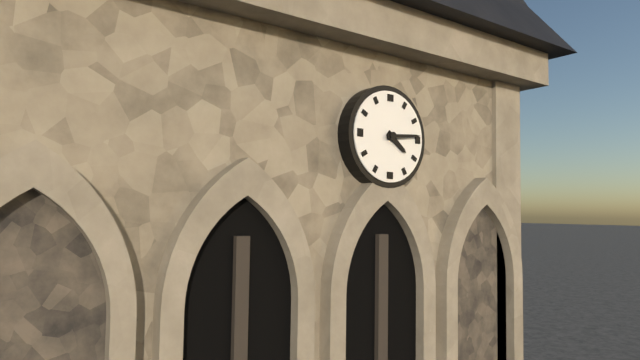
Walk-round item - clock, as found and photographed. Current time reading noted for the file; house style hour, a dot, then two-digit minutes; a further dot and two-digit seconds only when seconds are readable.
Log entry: 4.14
